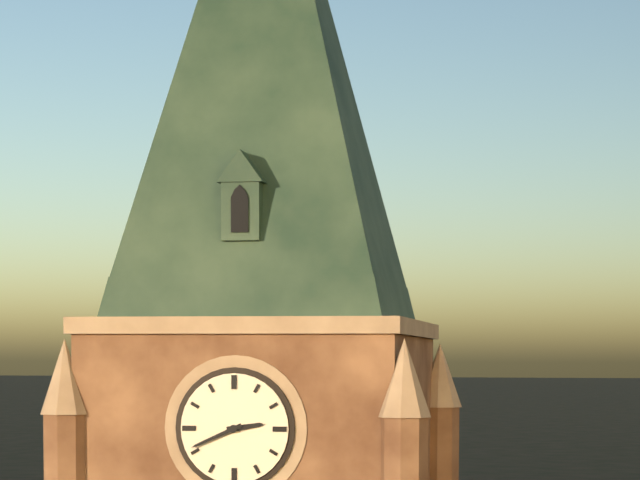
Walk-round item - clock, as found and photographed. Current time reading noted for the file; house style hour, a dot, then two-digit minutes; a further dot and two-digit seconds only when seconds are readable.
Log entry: 2.41
